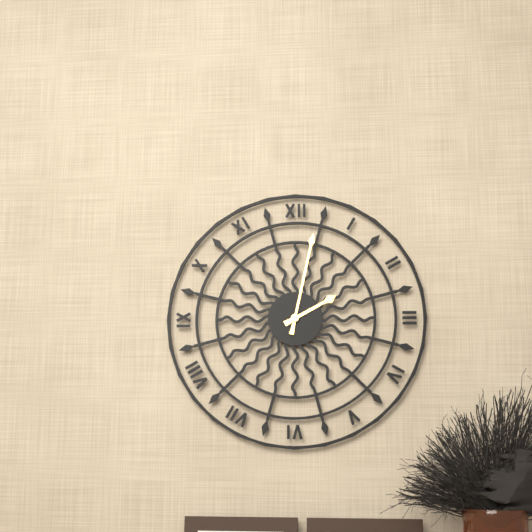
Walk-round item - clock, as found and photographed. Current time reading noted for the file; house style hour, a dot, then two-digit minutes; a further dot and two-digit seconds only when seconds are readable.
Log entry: 2.02
